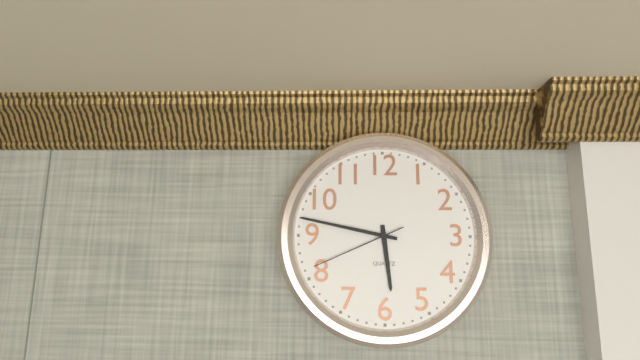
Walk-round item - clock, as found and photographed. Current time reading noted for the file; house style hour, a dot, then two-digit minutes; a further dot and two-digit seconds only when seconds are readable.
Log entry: 5.47.41
